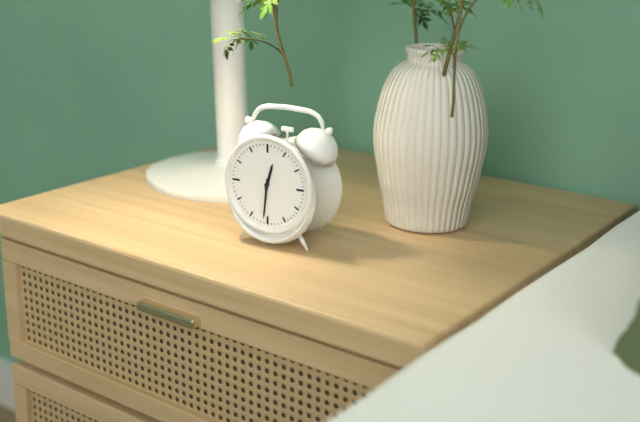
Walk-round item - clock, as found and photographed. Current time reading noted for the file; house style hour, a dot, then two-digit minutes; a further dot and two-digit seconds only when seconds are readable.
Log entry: 12.31
